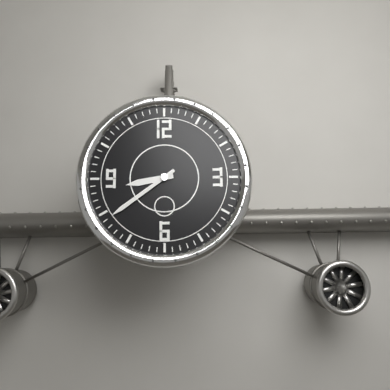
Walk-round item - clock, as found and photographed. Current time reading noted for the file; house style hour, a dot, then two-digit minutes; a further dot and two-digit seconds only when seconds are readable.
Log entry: 8.39
